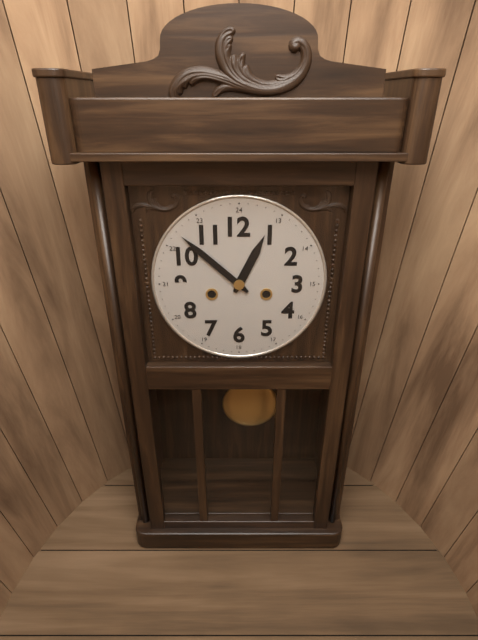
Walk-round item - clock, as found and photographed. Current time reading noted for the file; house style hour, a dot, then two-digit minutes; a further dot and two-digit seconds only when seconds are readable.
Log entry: 12.52
